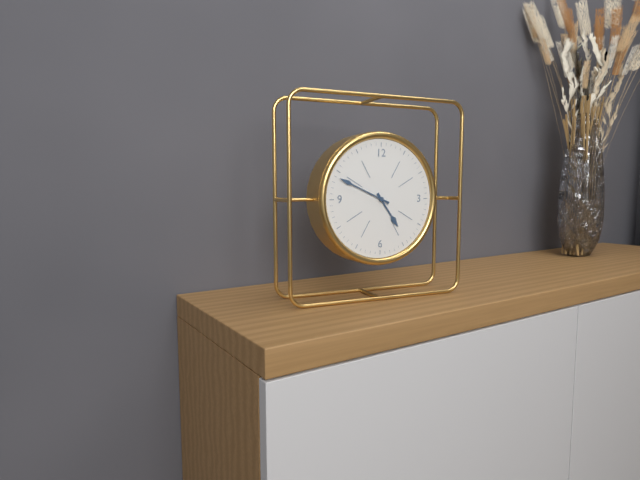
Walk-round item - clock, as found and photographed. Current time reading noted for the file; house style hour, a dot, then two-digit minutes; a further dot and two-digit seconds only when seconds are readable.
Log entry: 4.49
